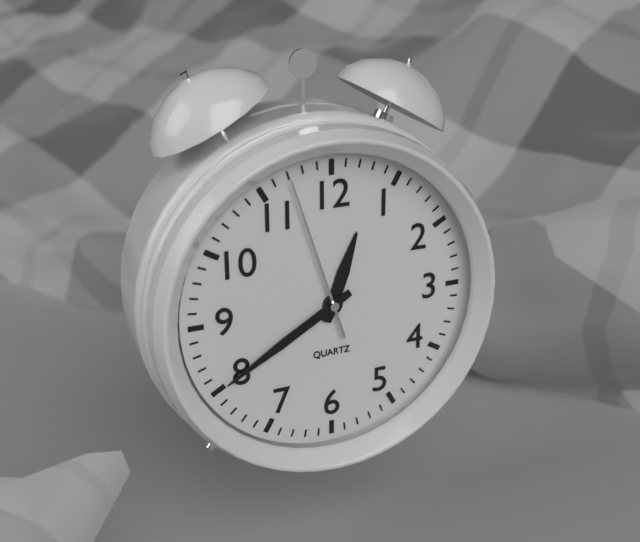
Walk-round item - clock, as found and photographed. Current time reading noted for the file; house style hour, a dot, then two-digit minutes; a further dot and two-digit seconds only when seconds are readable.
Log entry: 12.40.57
